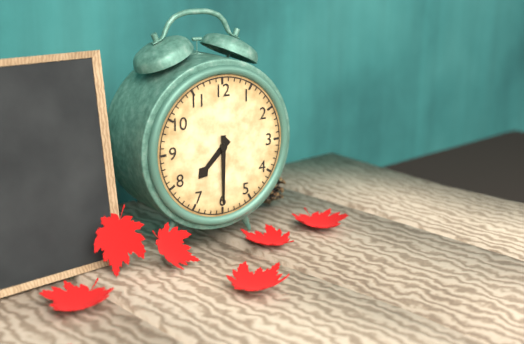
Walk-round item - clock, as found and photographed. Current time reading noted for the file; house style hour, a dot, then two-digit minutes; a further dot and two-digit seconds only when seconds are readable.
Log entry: 7.30
